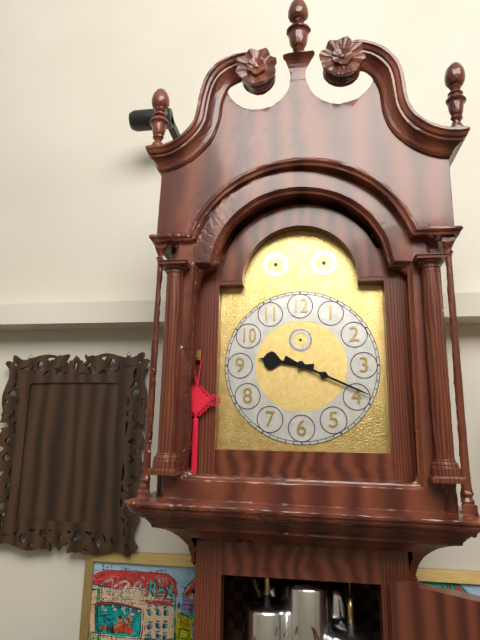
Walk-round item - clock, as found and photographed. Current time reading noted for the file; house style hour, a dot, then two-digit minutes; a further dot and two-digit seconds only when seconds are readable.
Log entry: 9.19
